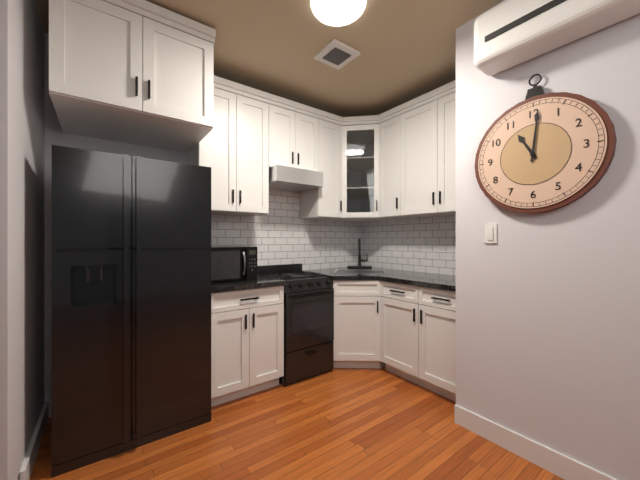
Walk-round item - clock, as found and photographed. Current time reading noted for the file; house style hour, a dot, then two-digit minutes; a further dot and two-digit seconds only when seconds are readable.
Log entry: 11.01
